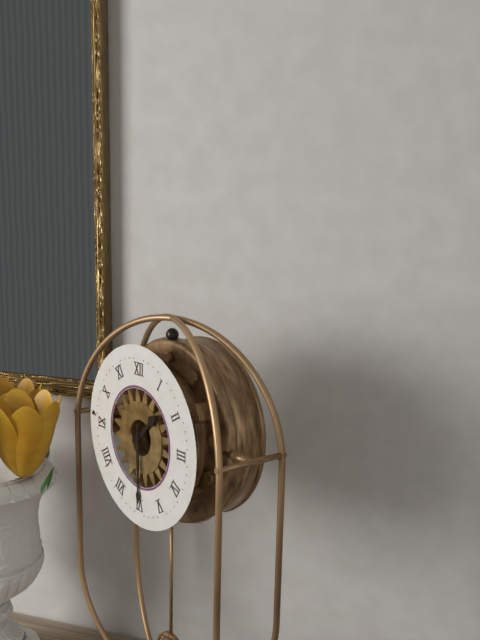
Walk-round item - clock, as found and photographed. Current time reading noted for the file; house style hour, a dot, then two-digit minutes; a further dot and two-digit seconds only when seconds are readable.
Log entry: 1.30
